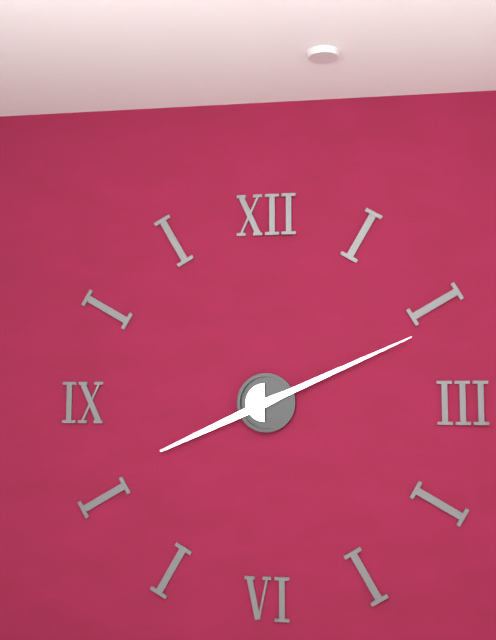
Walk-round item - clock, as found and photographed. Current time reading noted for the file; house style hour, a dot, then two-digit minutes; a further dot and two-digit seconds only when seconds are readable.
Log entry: 8.11
